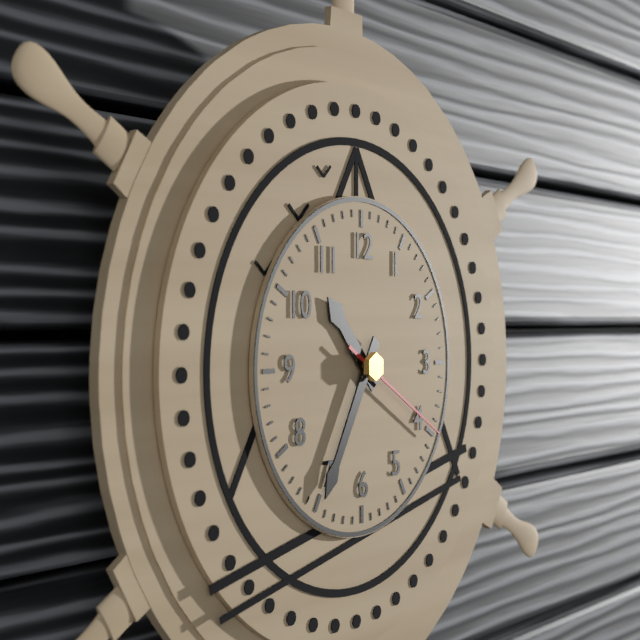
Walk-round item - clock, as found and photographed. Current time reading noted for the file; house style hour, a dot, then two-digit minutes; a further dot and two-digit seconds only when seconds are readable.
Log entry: 10.35.20
